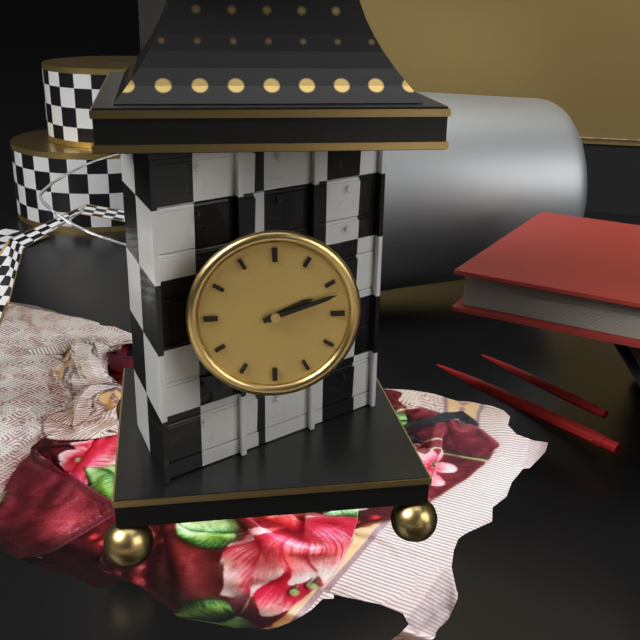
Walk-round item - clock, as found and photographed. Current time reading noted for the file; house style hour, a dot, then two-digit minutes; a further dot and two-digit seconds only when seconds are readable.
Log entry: 2.12
